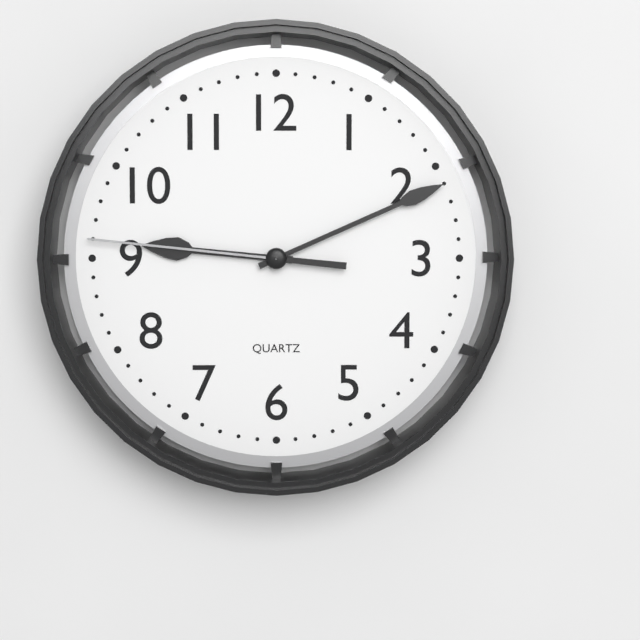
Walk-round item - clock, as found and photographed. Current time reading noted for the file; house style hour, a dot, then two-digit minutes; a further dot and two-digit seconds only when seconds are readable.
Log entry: 9.11.46
